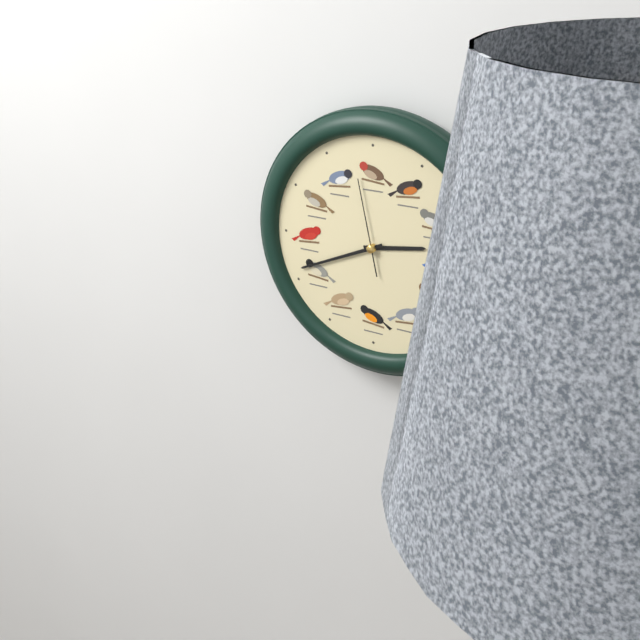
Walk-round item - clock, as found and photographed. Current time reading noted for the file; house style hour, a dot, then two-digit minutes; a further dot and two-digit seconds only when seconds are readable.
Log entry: 2.41.58
